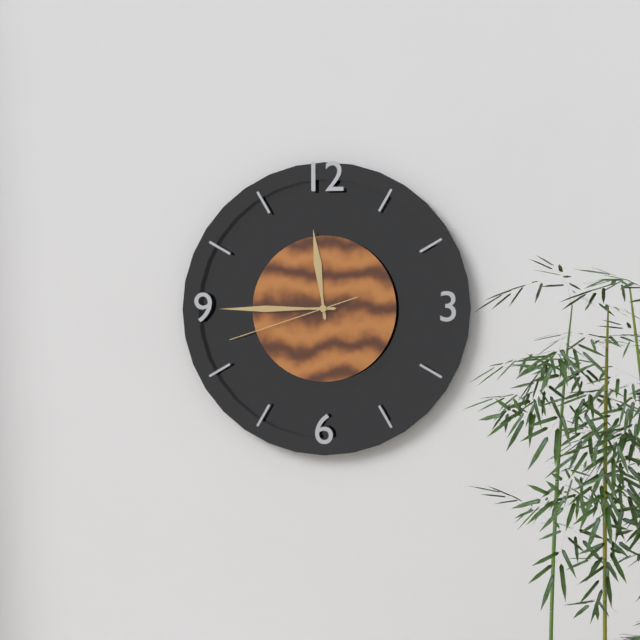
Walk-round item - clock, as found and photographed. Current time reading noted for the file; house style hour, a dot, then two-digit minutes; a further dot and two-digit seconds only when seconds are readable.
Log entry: 11.45.42
